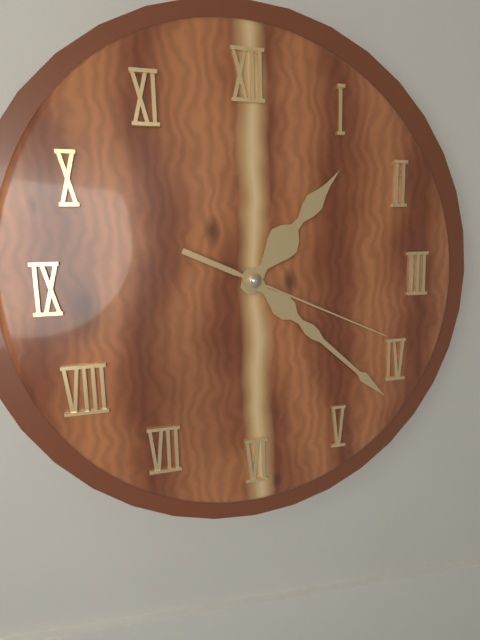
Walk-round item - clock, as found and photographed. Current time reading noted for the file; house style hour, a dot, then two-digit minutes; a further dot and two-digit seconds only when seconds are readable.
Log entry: 1.22.19
